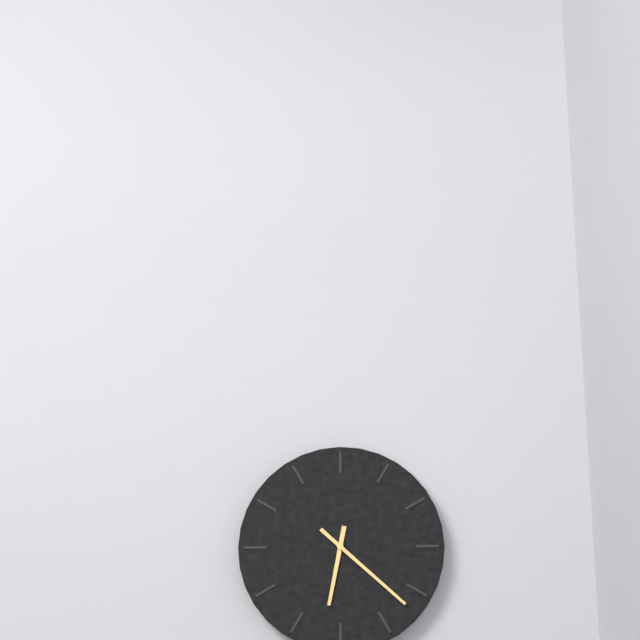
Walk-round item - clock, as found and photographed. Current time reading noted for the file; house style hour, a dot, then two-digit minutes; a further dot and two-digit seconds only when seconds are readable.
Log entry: 6.22
